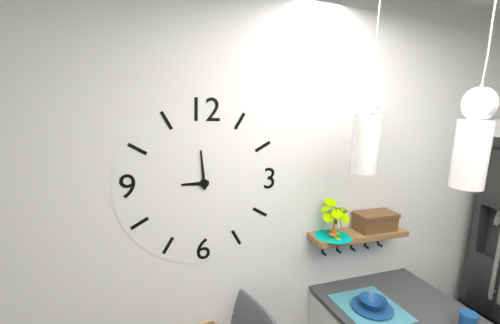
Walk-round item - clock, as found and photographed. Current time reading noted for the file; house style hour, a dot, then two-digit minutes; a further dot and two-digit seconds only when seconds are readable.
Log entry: 8.59
